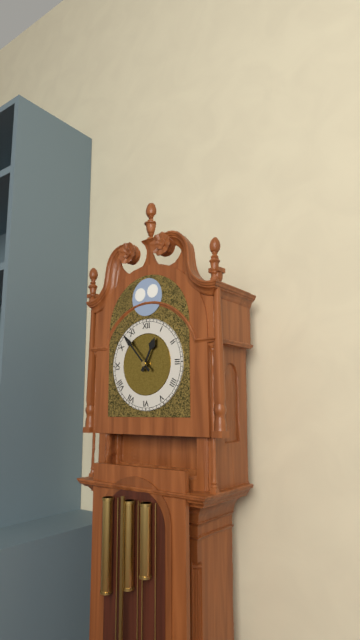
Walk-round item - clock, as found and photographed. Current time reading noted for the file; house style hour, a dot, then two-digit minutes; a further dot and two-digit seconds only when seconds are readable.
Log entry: 12.53
